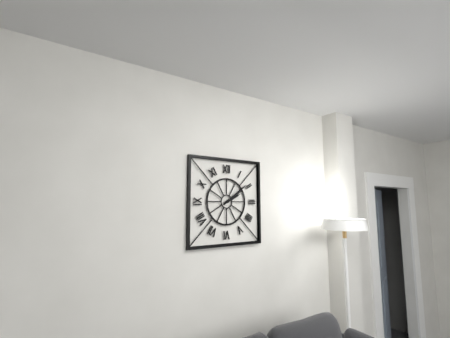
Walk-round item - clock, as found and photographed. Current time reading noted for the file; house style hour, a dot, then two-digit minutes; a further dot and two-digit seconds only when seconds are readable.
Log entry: 2.09
